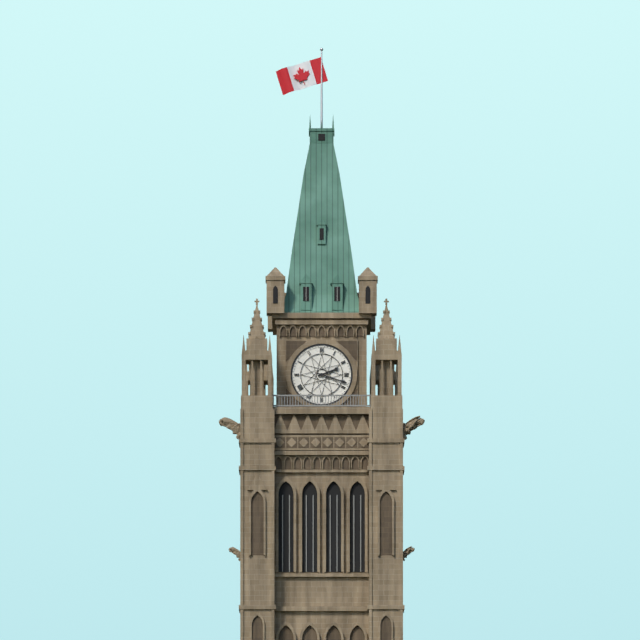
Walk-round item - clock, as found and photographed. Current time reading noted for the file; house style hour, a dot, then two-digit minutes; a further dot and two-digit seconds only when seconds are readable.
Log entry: 2.18
